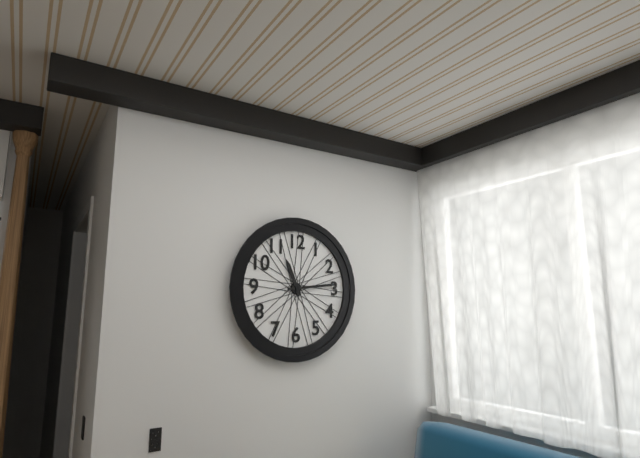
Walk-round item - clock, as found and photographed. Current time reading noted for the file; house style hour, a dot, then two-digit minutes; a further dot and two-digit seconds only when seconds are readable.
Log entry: 11.14
